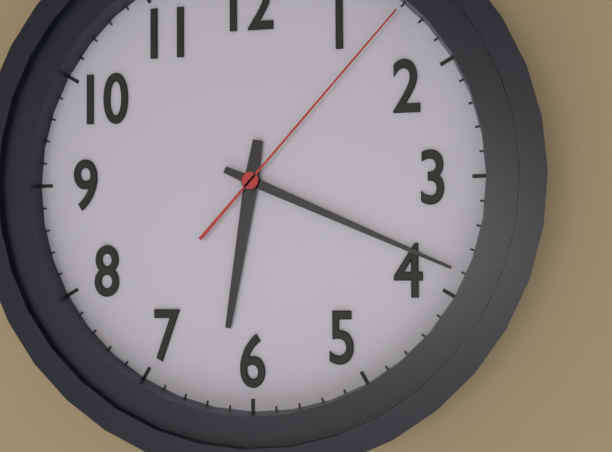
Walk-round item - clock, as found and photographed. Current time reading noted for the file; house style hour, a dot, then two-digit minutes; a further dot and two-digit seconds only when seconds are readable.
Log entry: 6.19.07
